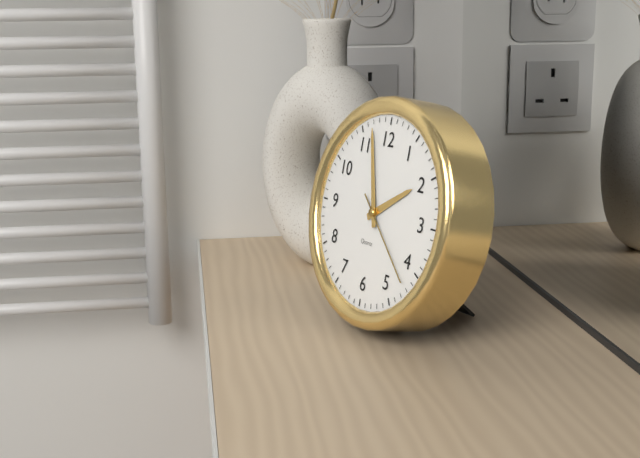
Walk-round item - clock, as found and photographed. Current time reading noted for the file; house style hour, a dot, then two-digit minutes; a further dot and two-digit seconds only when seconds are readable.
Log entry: 1.57.22
